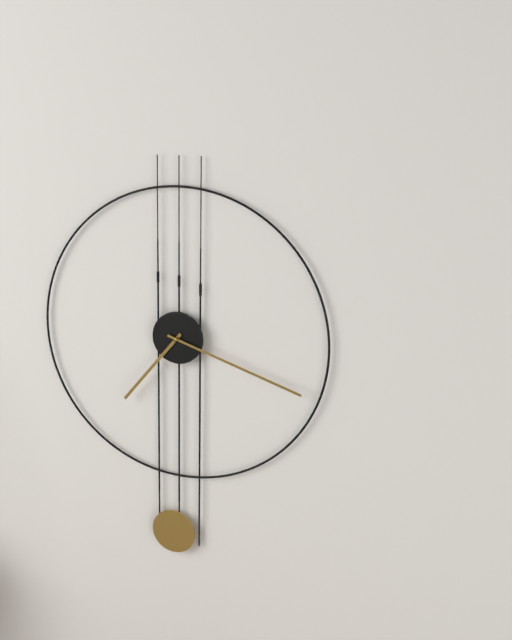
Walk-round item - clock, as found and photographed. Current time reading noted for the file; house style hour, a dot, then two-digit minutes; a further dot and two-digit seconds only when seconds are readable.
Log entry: 7.18
